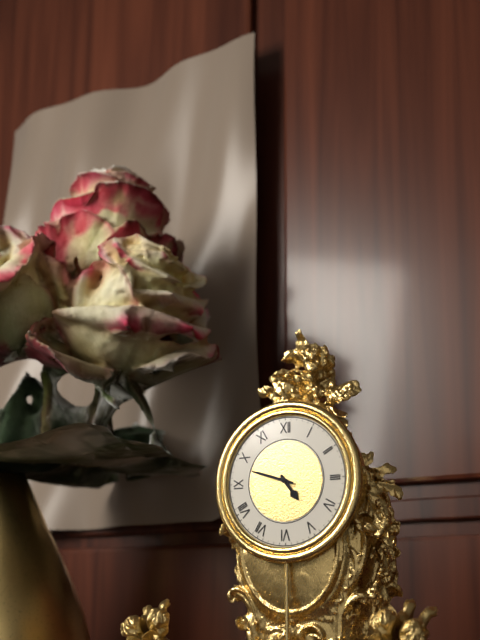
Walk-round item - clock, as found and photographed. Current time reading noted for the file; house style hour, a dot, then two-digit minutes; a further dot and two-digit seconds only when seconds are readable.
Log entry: 4.48
